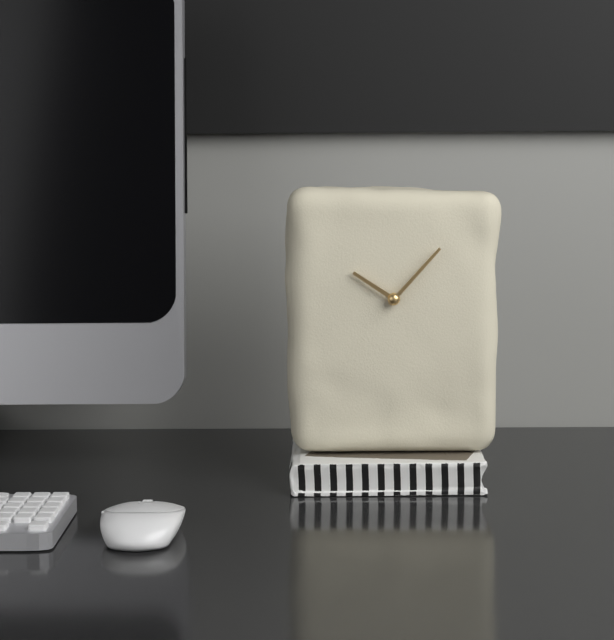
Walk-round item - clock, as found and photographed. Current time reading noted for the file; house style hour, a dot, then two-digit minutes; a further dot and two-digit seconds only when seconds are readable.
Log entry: 10.07
